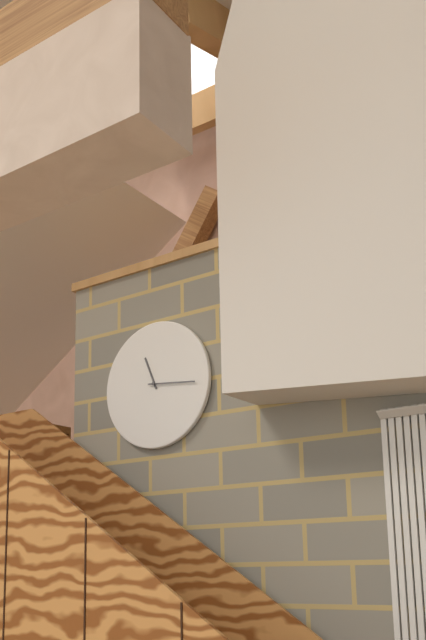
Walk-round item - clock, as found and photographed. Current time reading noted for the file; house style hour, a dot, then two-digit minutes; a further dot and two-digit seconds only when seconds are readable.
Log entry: 11.16
